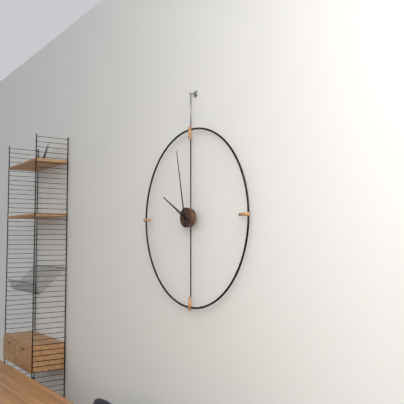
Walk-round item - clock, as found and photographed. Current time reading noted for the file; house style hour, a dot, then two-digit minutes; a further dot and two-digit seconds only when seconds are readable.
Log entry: 9.58
